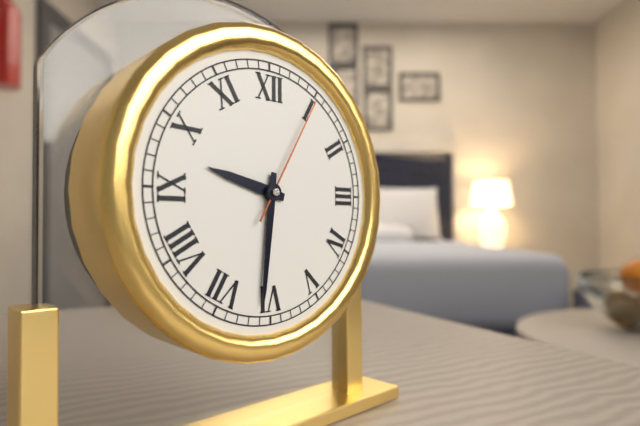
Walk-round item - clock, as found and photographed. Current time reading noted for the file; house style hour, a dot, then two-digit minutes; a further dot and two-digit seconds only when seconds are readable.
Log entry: 9.31.05
